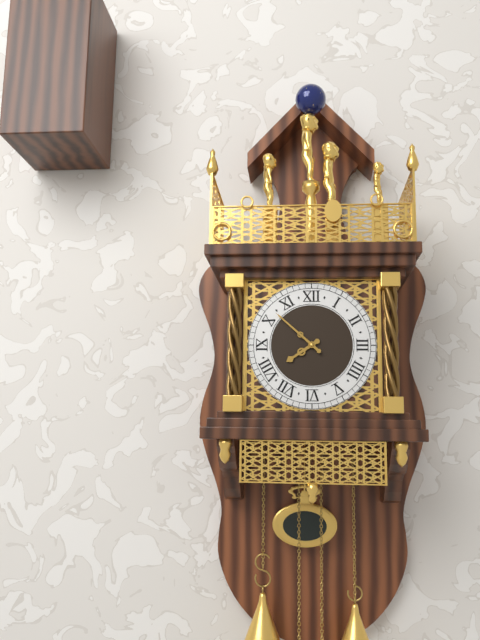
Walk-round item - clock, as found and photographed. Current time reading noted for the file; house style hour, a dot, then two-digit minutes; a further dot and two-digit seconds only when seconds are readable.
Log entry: 7.52
